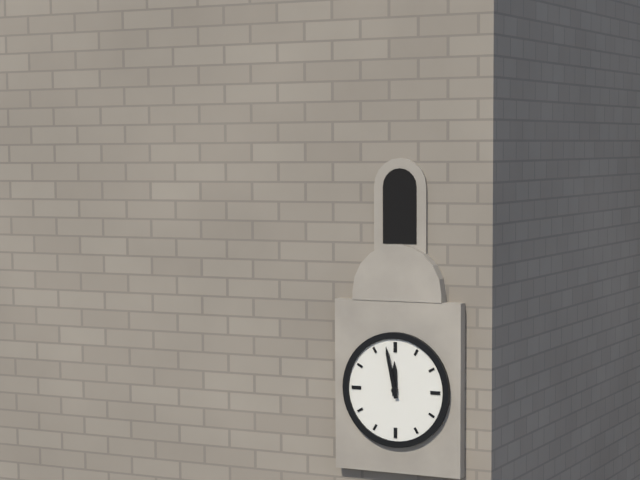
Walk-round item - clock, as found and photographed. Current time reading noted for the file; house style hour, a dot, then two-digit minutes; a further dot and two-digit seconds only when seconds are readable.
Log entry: 11.58
